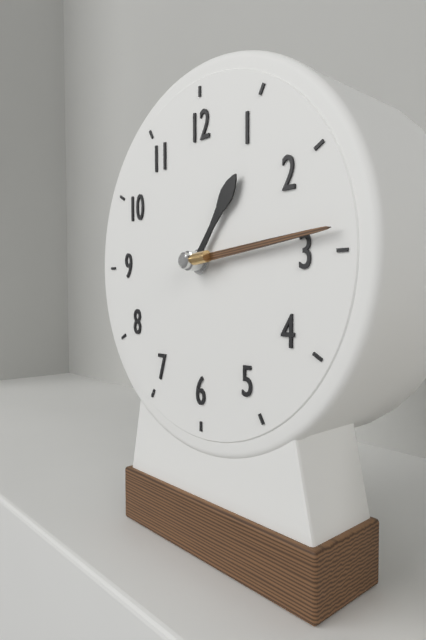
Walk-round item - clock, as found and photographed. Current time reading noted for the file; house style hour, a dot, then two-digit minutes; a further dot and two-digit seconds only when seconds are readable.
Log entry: 1.14
